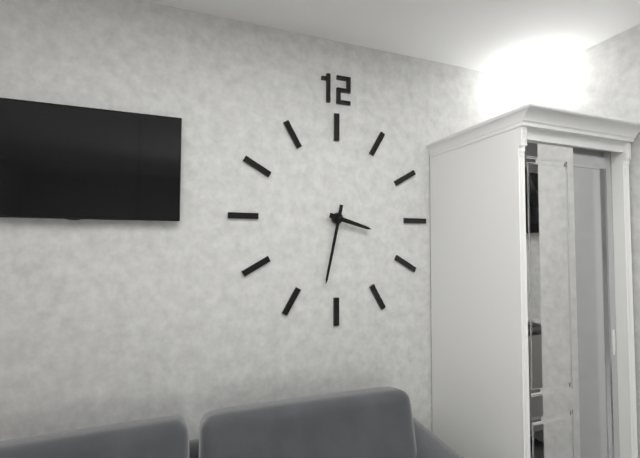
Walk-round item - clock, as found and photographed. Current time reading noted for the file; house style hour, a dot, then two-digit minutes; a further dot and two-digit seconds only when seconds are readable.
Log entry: 3.32
